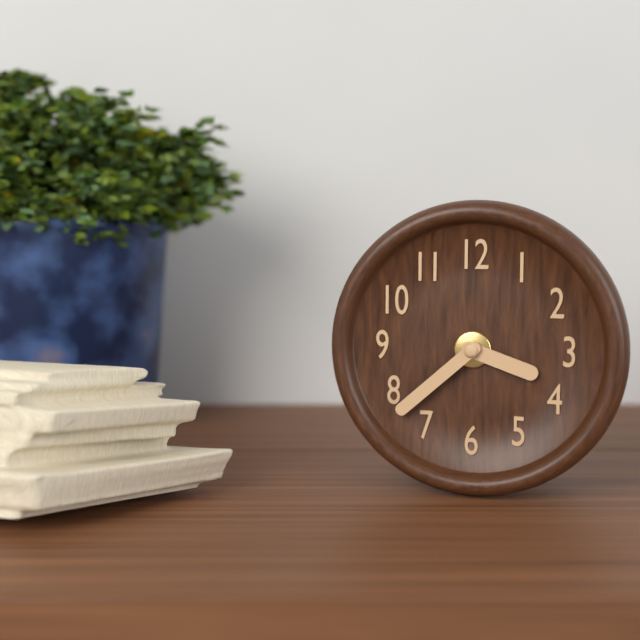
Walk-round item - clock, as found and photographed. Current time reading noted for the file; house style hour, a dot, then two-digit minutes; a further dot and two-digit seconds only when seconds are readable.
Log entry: 3.38
